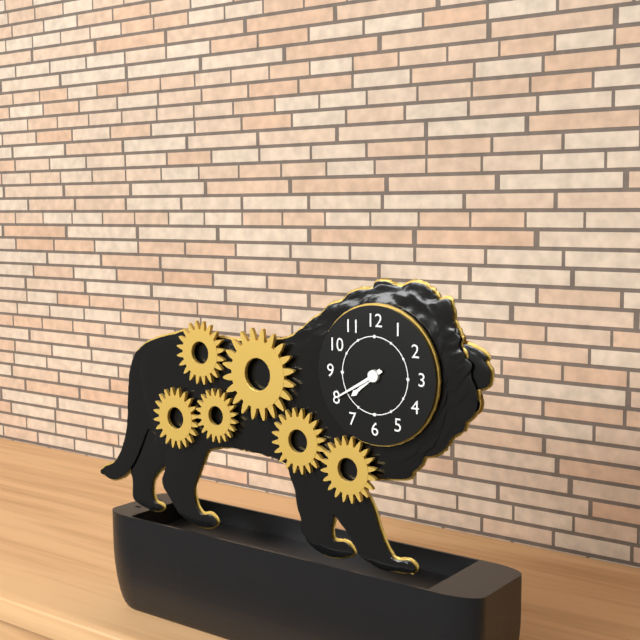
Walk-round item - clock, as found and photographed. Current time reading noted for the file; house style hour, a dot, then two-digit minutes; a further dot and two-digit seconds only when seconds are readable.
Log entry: 7.40
